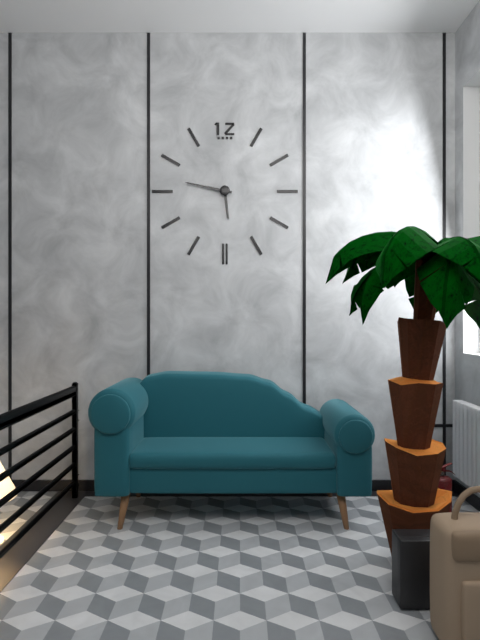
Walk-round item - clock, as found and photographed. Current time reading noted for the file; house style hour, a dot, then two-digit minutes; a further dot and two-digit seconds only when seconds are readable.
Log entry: 5.47
